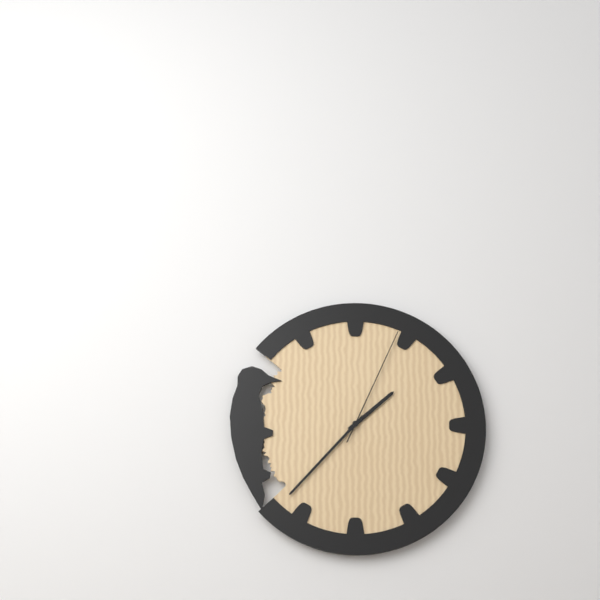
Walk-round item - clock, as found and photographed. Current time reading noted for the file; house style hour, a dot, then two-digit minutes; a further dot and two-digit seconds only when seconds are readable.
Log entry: 1.37.04
